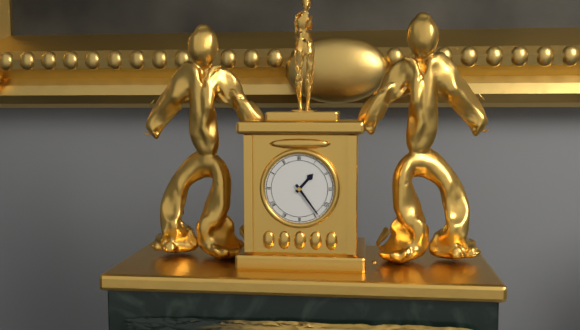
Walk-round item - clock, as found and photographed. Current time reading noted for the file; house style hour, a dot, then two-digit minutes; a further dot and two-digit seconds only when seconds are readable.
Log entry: 1.24
